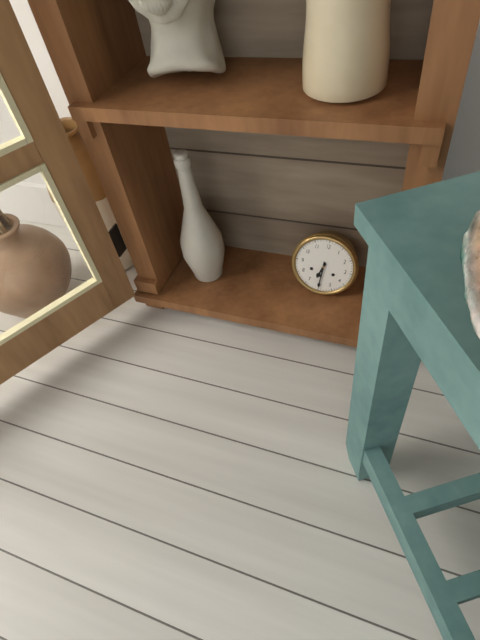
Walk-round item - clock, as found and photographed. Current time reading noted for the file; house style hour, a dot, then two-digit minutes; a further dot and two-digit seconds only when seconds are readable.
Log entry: 6.30
